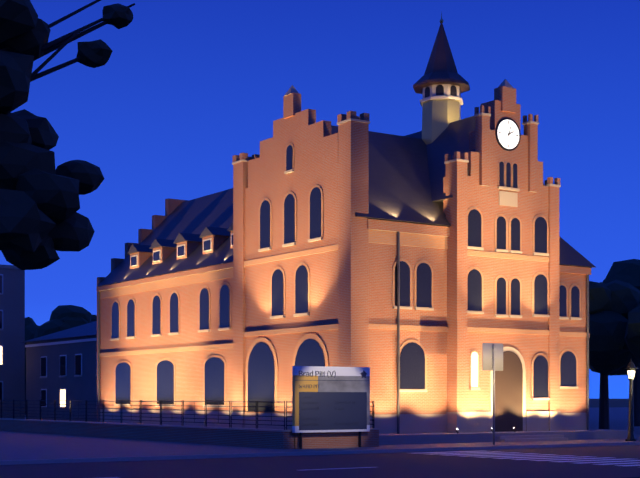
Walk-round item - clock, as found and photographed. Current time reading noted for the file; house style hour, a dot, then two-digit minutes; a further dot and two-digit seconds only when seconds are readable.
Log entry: 2.03
